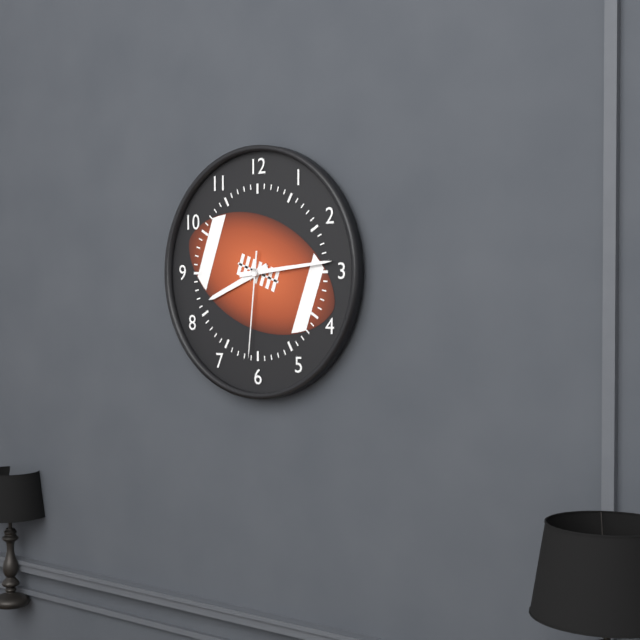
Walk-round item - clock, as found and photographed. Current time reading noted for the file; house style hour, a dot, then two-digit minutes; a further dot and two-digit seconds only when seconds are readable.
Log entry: 8.14.31
